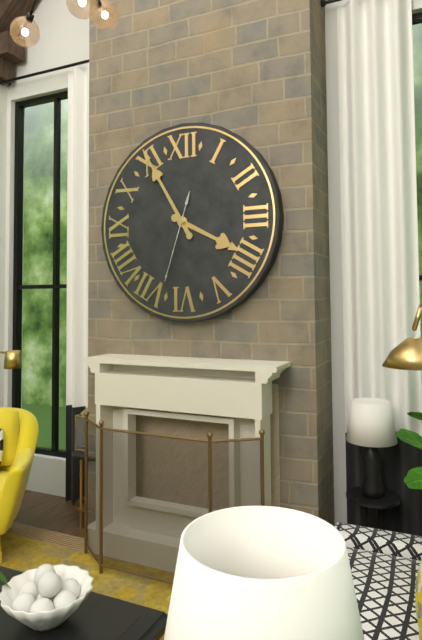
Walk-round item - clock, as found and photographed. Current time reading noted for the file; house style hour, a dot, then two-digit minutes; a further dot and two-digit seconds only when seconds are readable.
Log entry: 3.55.33
